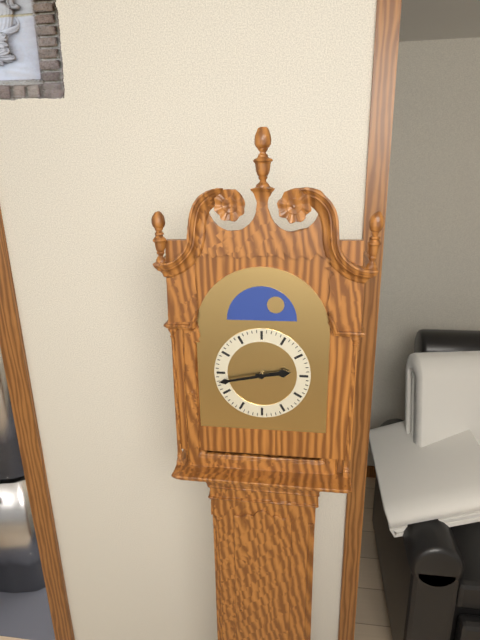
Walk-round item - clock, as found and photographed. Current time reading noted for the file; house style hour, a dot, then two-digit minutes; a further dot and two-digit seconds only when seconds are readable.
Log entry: 2.43
